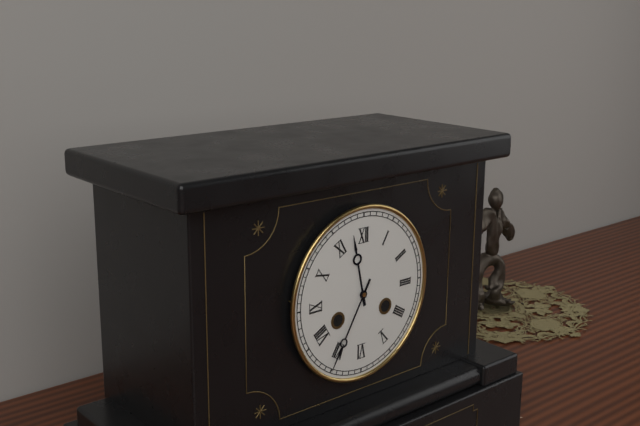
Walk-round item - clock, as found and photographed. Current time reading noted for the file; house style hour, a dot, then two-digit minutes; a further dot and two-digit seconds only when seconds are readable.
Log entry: 11.35
